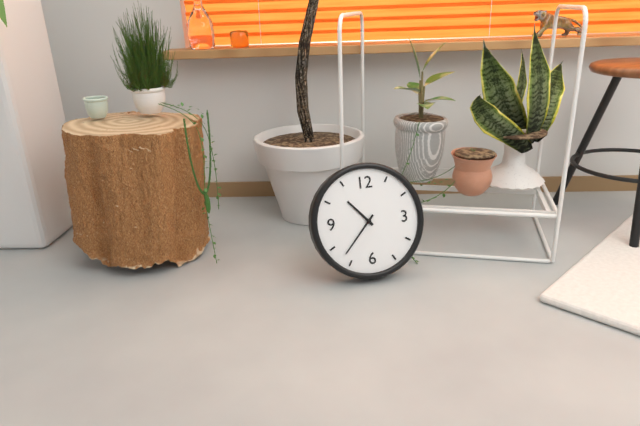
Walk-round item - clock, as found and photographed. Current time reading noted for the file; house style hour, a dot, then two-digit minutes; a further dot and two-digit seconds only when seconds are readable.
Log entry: 10.37
